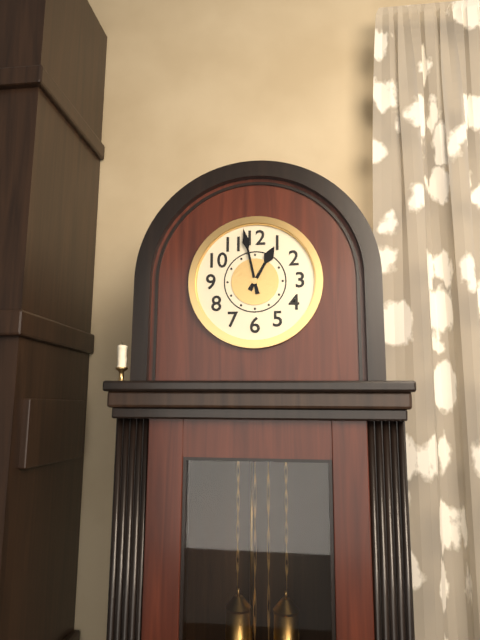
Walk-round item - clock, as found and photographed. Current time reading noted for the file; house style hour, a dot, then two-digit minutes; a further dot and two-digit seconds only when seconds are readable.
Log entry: 12.58
